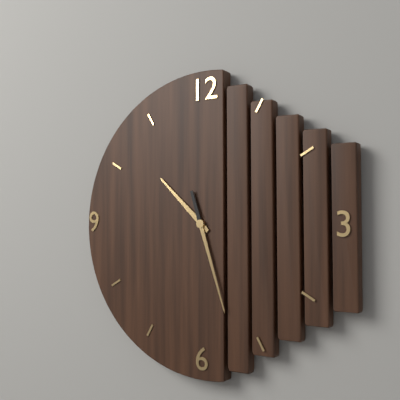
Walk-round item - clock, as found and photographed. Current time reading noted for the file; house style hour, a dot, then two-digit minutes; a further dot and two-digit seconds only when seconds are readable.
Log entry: 10.27
